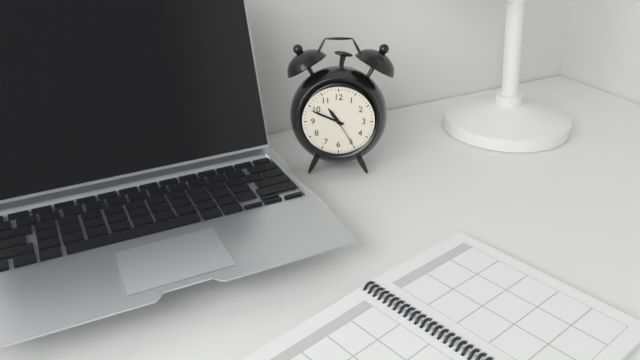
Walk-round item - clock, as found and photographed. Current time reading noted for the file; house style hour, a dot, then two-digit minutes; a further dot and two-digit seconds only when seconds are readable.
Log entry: 10.49
